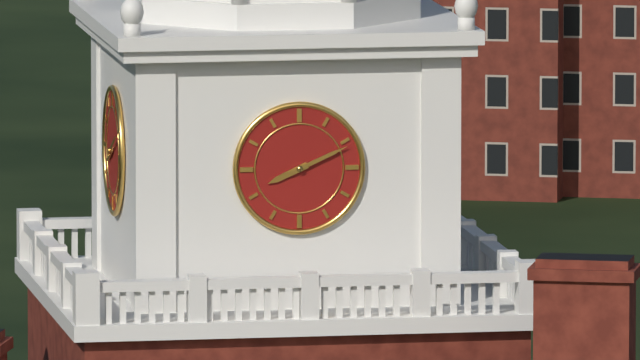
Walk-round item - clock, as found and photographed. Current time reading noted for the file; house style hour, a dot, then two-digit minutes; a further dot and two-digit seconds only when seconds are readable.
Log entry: 8.11
